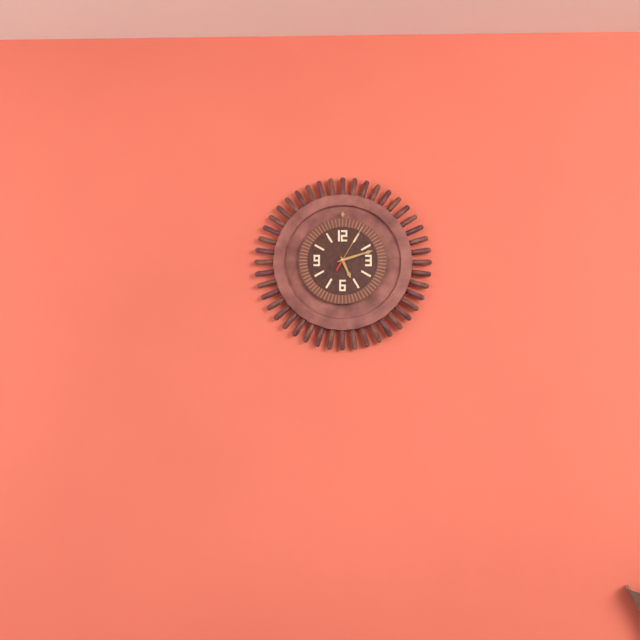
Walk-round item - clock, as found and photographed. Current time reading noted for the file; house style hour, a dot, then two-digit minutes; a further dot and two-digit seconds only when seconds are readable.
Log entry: 5.12
